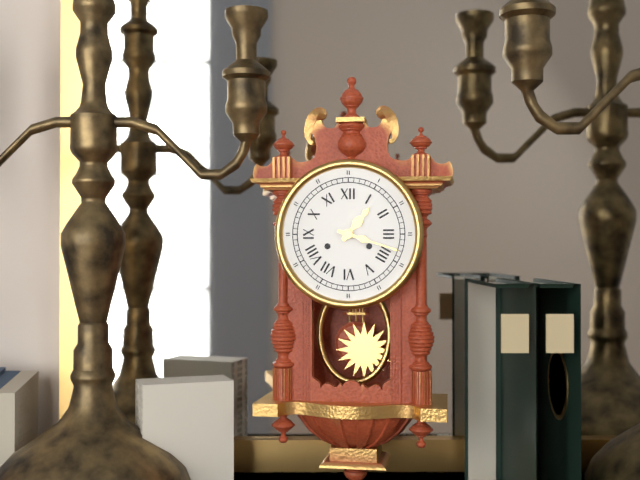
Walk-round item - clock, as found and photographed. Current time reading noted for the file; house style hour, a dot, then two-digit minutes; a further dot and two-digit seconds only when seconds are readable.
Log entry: 1.18
